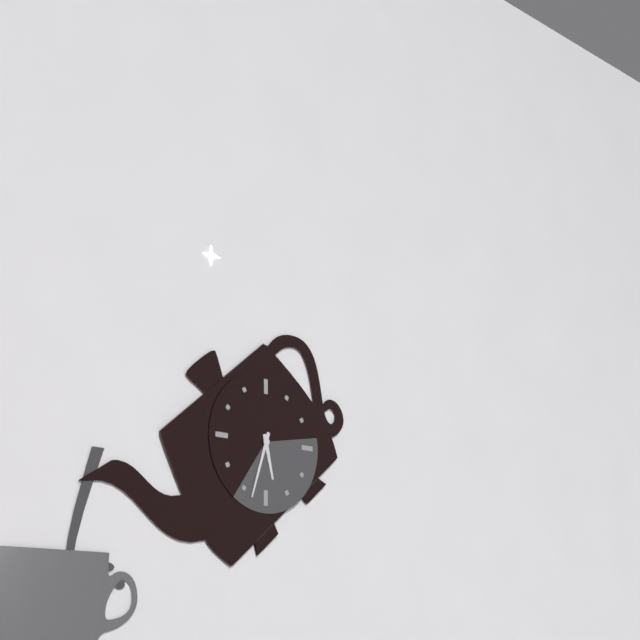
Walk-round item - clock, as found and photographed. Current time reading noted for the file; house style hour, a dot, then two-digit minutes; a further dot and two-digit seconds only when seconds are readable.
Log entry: 5.33
